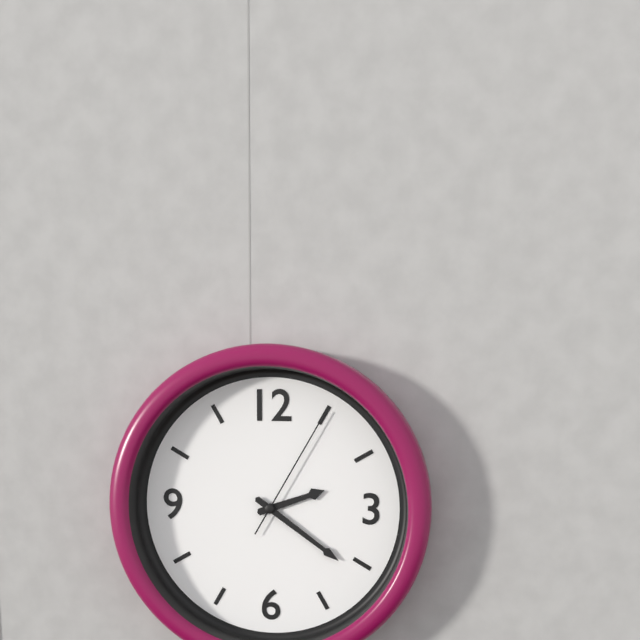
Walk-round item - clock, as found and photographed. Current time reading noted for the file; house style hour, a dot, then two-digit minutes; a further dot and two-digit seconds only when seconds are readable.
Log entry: 2.21.05
